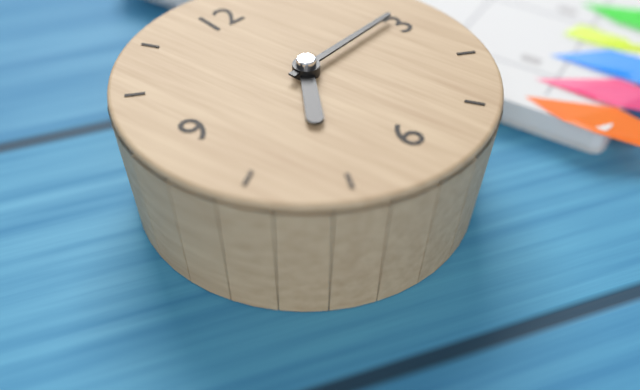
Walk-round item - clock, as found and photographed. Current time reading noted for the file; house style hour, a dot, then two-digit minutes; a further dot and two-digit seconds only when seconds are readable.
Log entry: 7.14
